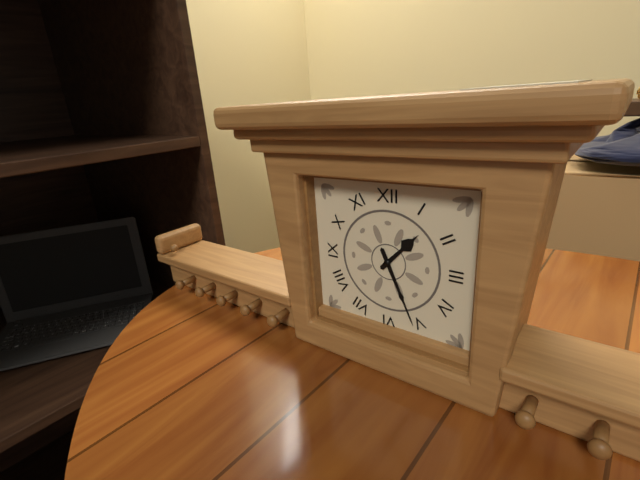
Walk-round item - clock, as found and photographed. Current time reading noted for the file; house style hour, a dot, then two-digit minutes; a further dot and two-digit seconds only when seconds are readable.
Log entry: 1.26
